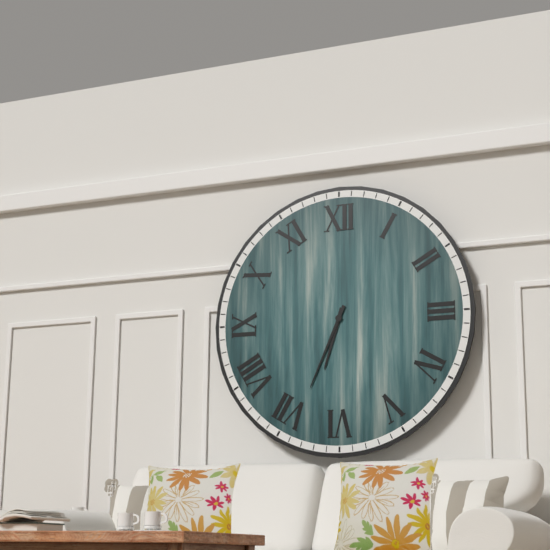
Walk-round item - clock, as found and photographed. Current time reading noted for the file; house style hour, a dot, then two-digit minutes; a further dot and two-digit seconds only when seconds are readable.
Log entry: 6.34
